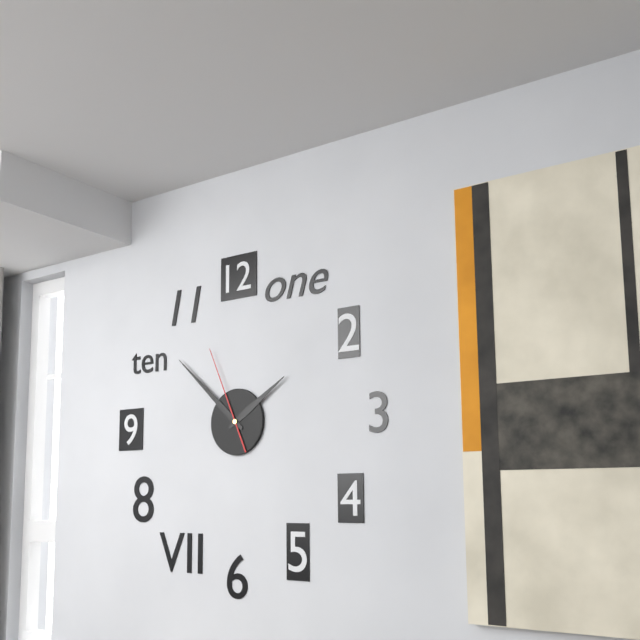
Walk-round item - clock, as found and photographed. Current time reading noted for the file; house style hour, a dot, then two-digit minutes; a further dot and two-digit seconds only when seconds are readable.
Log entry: 1.52.56
